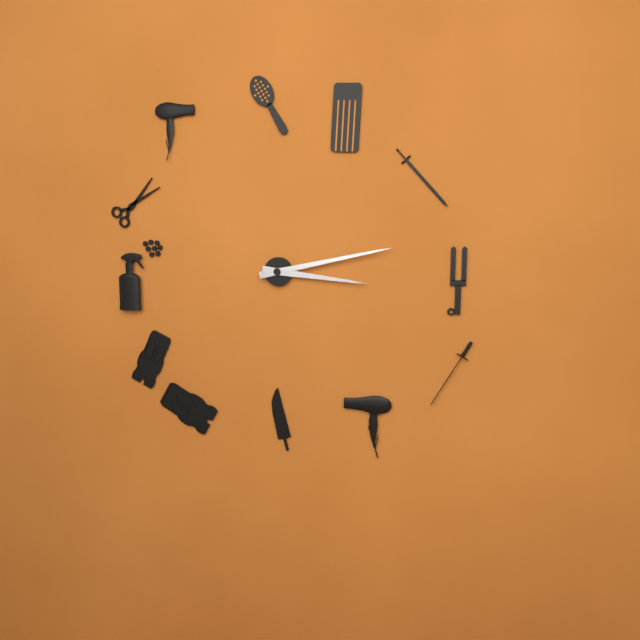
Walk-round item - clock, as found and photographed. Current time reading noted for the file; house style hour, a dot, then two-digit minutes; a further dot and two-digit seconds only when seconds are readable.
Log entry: 3.13
